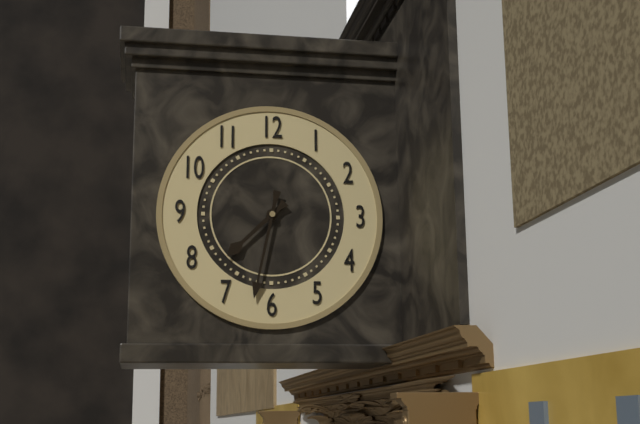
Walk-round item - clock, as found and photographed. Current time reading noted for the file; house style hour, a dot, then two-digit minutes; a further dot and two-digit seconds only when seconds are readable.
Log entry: 7.32
